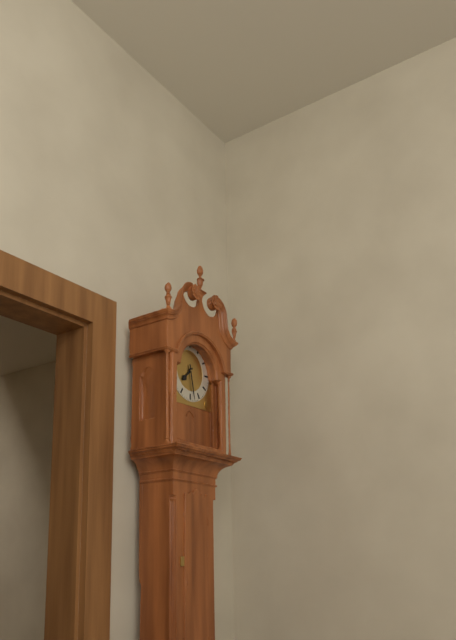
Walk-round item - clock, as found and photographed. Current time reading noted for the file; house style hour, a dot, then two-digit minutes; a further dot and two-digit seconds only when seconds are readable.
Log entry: 7.28
